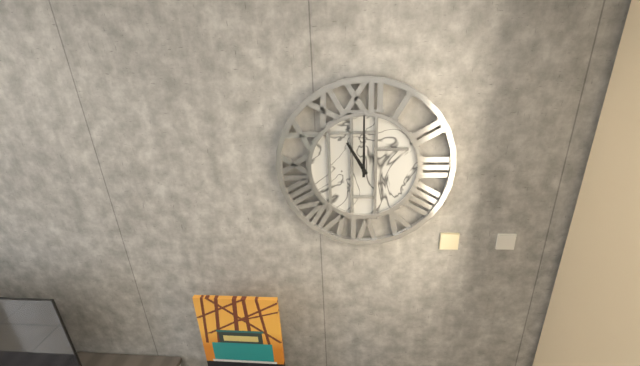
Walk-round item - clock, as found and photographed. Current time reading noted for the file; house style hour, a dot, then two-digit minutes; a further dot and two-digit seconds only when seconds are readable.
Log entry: 11.00
